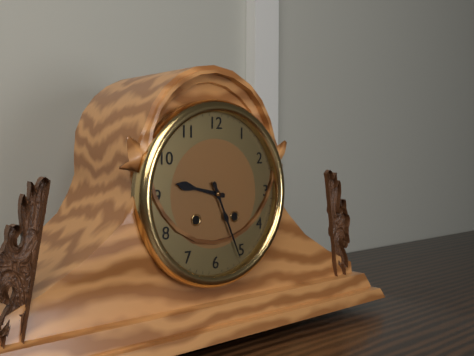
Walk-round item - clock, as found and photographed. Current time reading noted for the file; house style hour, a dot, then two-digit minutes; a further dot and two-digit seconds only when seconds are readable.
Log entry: 9.26
